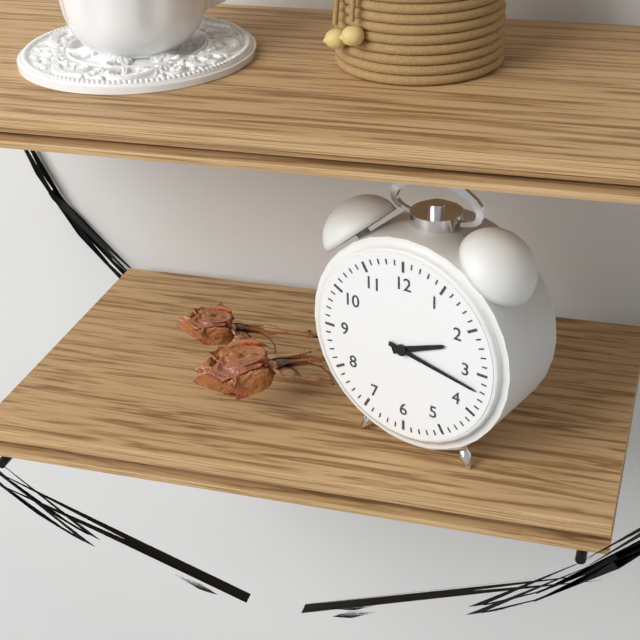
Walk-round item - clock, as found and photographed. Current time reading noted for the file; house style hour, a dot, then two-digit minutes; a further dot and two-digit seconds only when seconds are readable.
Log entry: 2.17
